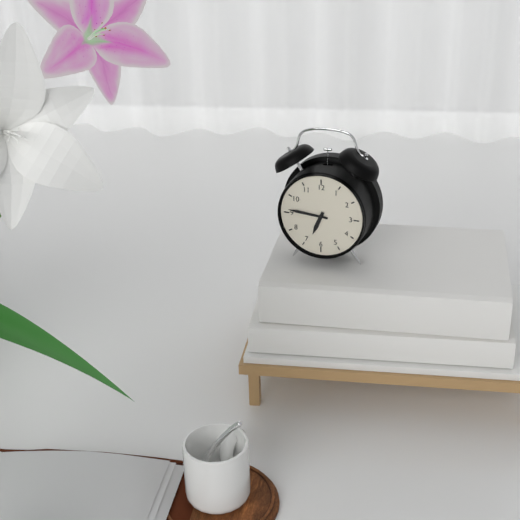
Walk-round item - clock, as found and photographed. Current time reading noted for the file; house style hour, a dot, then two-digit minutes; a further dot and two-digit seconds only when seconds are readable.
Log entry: 6.46
